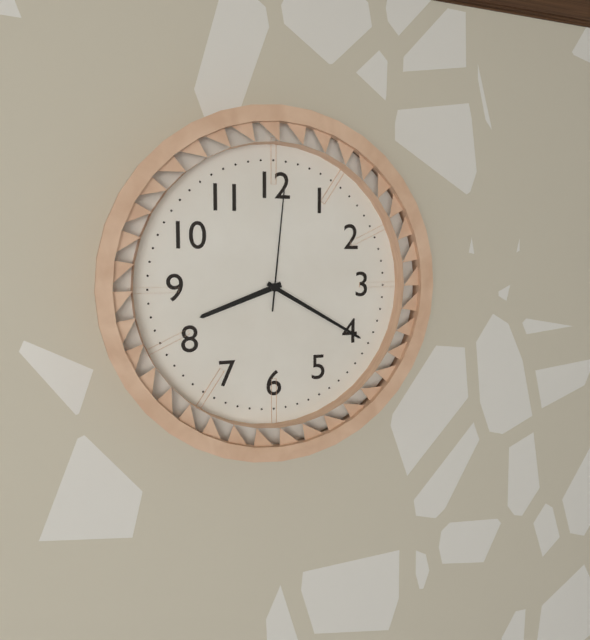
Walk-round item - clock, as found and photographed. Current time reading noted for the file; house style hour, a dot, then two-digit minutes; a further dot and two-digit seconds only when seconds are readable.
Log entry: 8.20.01
